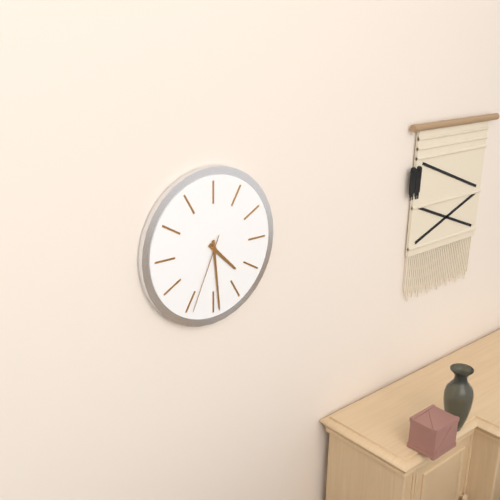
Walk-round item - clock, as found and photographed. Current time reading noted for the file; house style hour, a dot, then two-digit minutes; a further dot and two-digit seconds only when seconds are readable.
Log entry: 4.29.34
